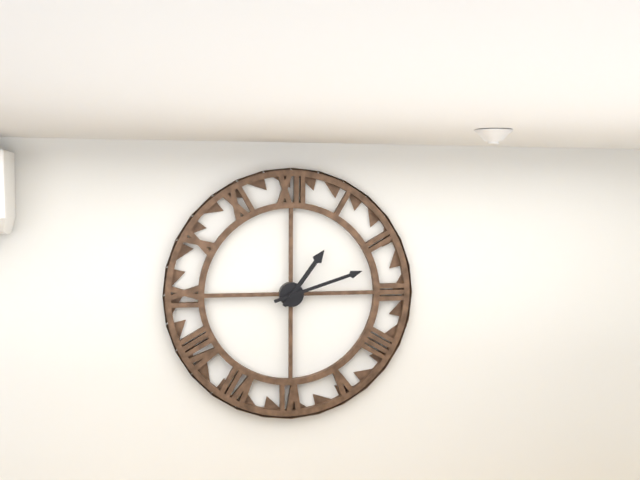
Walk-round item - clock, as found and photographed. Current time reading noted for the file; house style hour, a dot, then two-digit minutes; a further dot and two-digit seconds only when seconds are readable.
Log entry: 1.12
